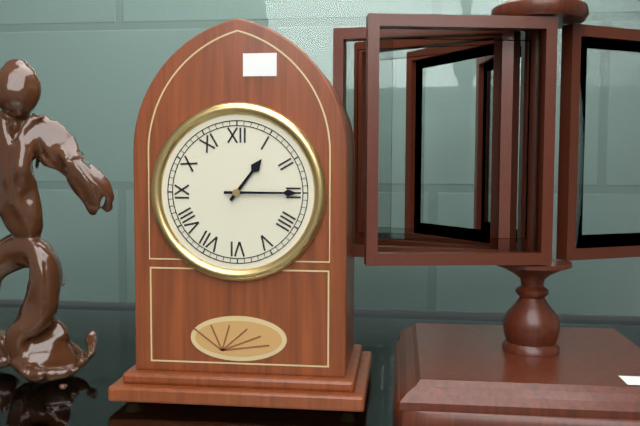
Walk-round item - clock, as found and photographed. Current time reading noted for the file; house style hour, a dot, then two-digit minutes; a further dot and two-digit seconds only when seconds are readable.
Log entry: 1.15
